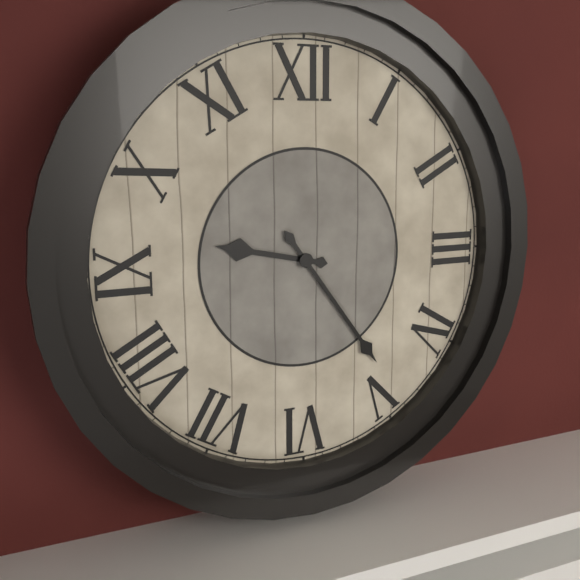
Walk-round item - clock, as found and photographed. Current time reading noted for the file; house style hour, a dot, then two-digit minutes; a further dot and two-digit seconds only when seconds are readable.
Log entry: 9.24
